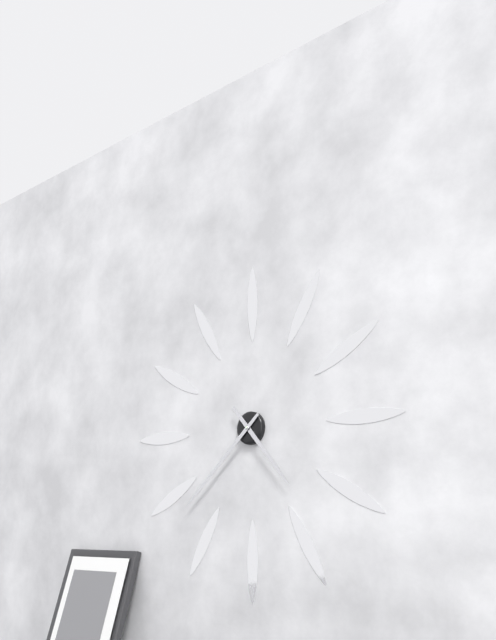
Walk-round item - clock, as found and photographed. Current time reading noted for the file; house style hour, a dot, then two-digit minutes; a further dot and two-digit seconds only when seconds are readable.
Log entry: 4.38
